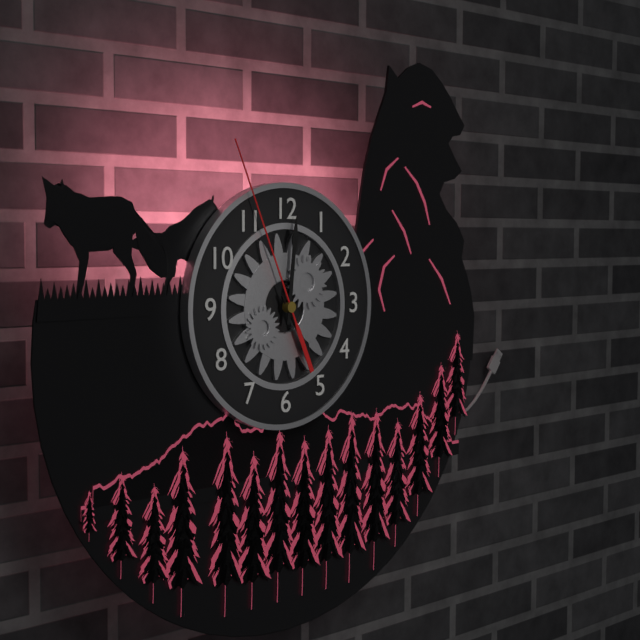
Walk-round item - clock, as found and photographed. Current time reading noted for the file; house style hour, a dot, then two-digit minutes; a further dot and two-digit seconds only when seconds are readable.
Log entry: 5.01.56
